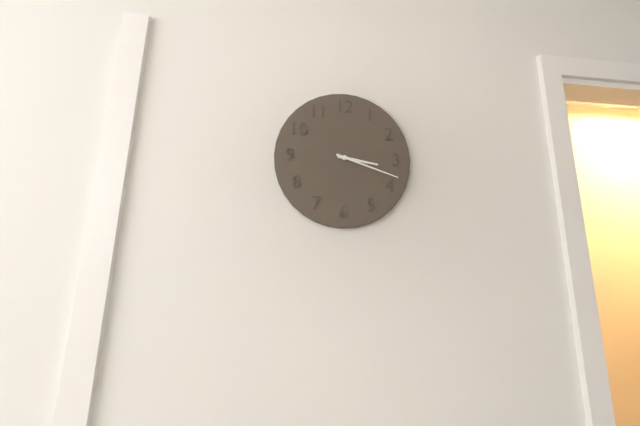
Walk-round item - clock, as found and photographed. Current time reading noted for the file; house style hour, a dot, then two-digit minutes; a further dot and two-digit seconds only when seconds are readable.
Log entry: 3.18
